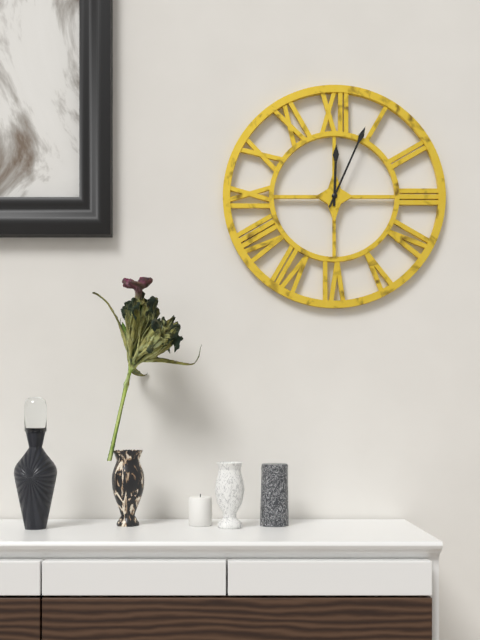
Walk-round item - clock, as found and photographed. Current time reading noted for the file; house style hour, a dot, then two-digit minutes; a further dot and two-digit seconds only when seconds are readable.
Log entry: 12.04
